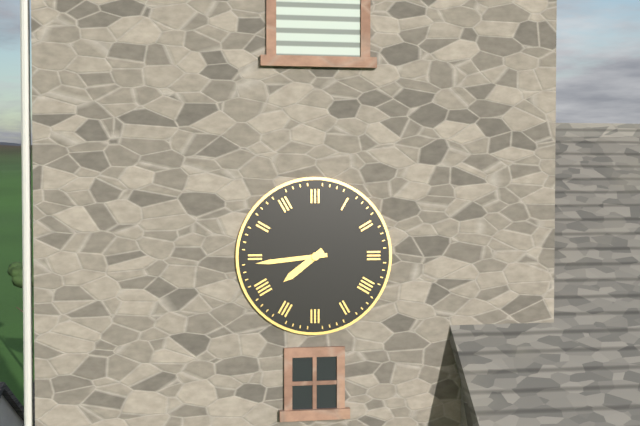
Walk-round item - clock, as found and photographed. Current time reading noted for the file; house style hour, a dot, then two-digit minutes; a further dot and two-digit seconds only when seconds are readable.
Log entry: 7.44
